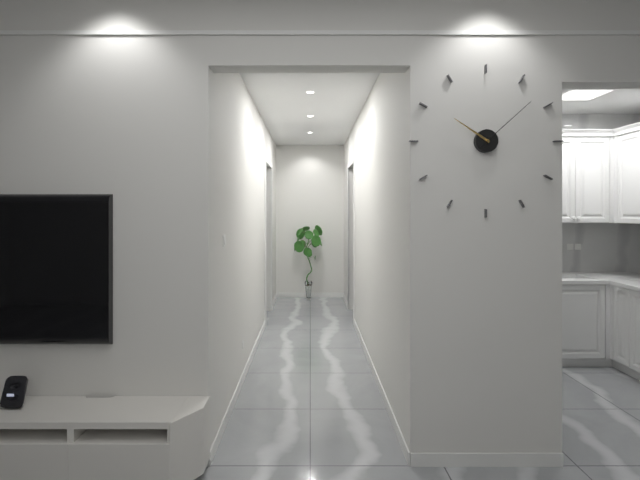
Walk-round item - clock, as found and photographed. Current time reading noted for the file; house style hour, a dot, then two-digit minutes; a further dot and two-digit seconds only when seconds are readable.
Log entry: 10.08
